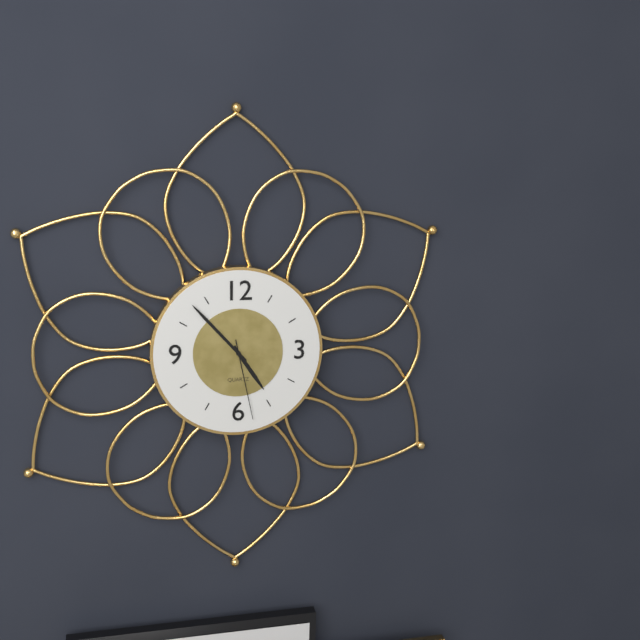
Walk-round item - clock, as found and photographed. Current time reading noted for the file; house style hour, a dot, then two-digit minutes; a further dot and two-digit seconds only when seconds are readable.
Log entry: 4.53.28
